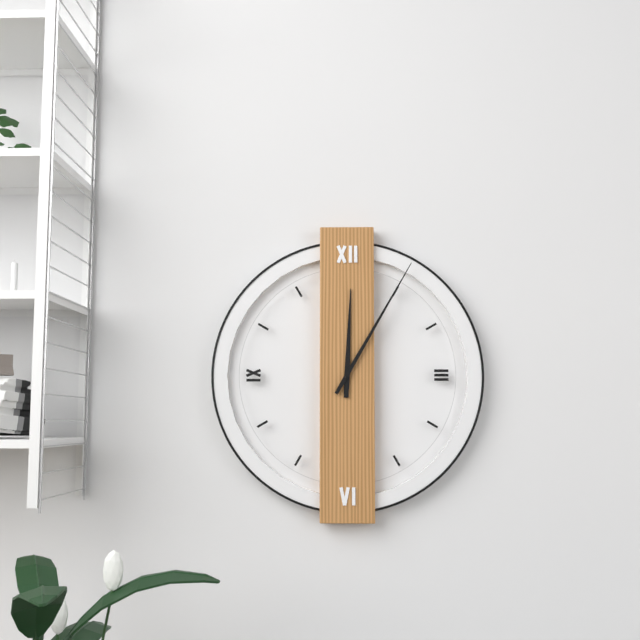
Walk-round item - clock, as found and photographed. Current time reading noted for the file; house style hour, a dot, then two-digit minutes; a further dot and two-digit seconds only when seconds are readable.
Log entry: 12.05
